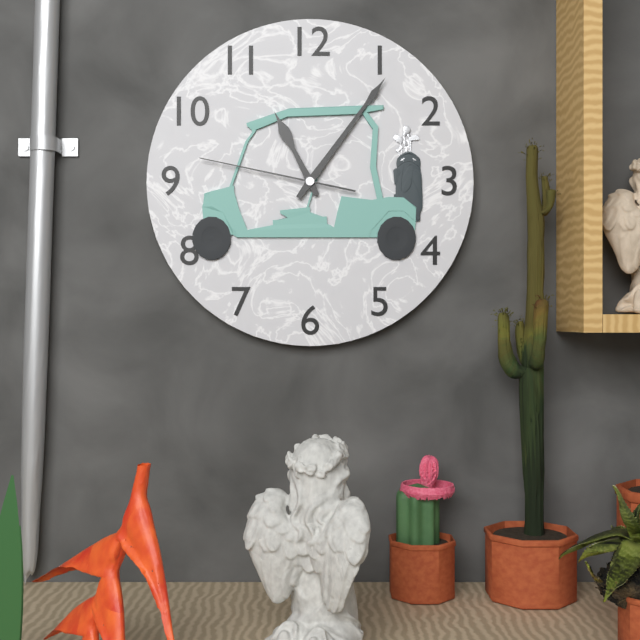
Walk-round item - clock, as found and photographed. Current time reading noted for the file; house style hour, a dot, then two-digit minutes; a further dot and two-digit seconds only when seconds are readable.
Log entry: 11.06.47
